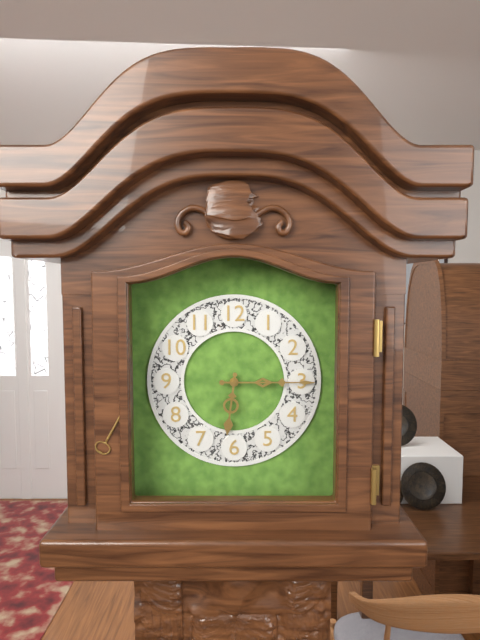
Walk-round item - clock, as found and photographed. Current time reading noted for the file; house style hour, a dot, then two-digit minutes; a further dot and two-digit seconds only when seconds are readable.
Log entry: 6.15
